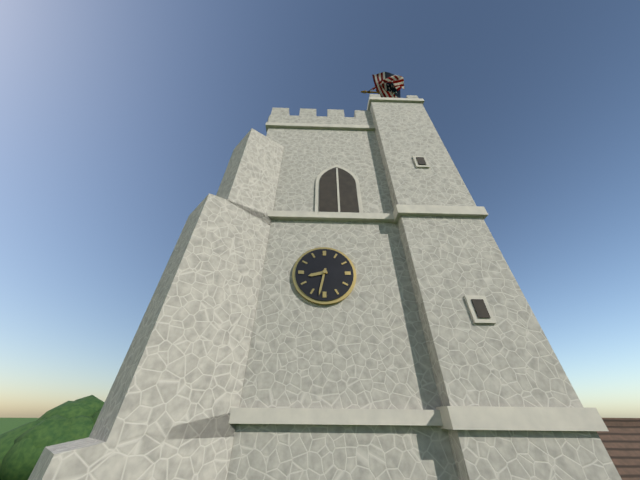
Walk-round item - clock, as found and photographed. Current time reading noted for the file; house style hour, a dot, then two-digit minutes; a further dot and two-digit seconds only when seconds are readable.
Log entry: 8.32
